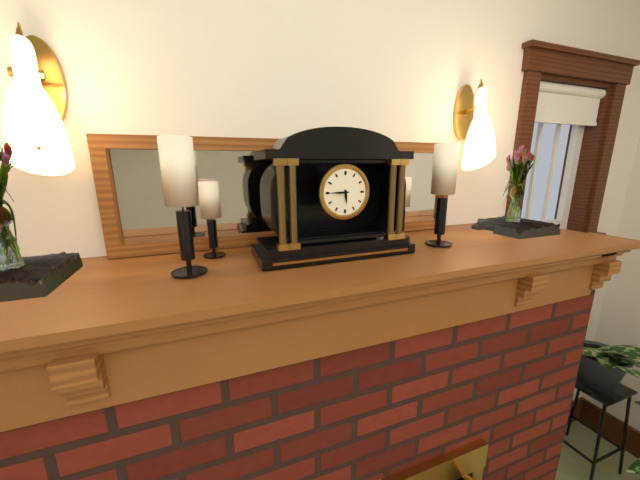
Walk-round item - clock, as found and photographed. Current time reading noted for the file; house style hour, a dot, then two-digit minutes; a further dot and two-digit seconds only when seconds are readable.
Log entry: 5.45
